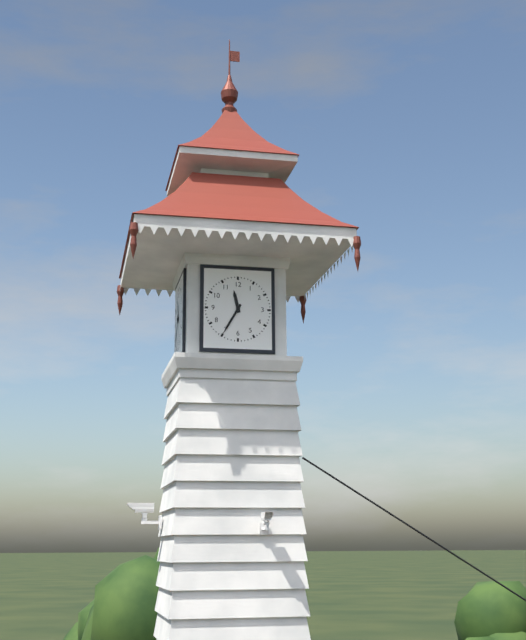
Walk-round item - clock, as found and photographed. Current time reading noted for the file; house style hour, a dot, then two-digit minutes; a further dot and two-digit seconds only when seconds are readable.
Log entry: 11.35
